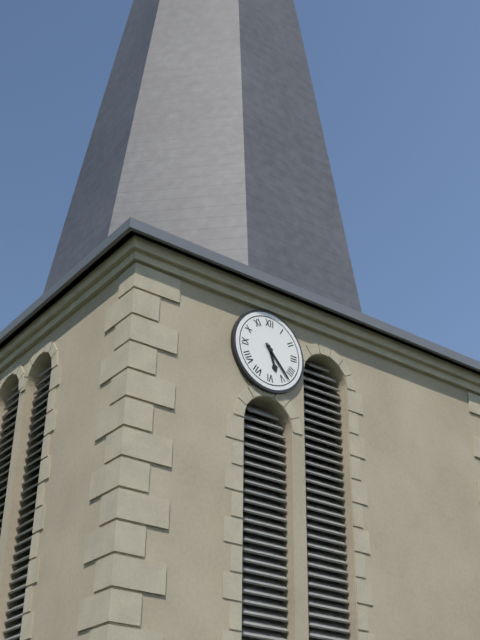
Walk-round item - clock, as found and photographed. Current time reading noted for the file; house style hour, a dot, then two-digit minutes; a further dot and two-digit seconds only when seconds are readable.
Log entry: 5.23
